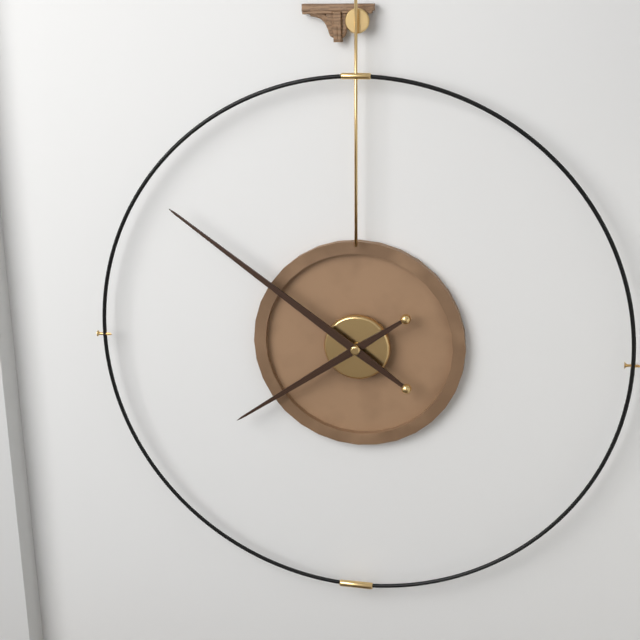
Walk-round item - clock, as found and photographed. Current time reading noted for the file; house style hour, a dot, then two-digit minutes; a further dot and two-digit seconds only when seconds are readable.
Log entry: 7.51
